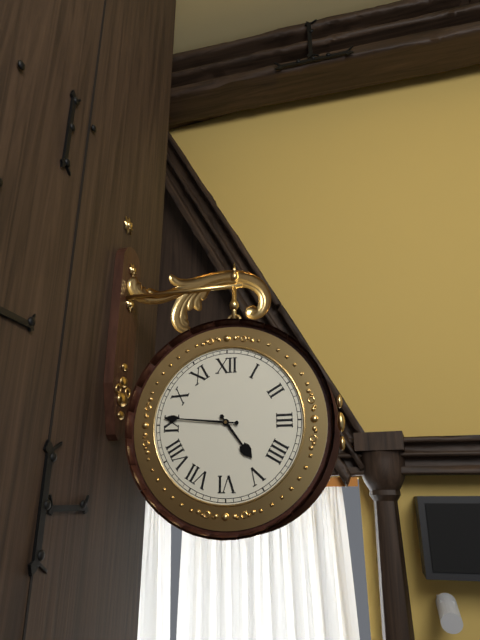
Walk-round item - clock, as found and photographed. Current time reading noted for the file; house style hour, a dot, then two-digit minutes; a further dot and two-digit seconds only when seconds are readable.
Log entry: 4.46
